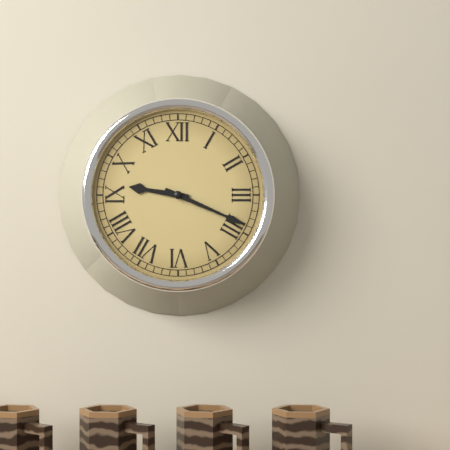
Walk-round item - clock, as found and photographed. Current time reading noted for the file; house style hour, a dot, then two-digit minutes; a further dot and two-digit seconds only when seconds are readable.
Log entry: 9.19
